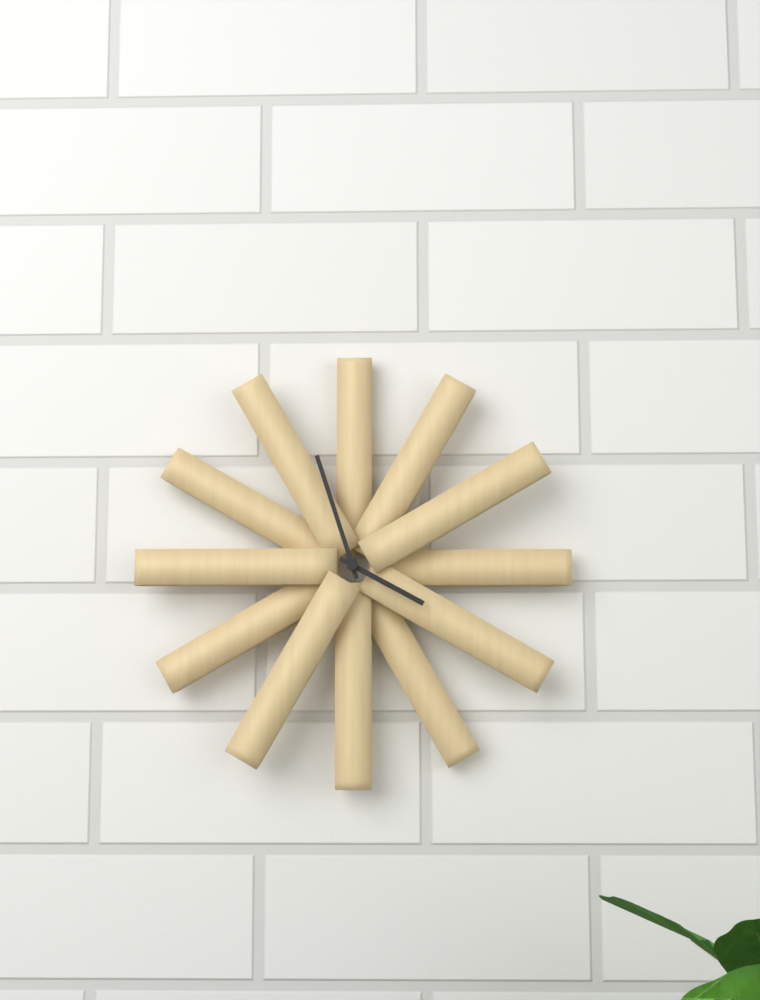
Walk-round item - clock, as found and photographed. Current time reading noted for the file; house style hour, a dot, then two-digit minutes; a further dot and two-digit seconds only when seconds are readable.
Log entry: 3.57
